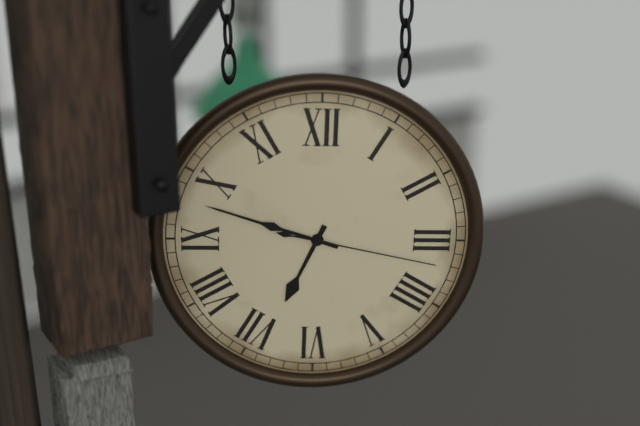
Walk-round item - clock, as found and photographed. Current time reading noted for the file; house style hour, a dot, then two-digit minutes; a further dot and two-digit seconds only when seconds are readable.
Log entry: 6.48.17
